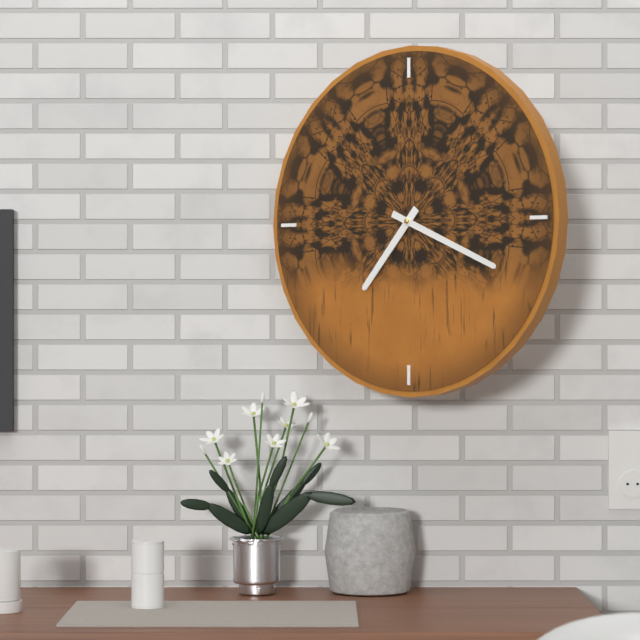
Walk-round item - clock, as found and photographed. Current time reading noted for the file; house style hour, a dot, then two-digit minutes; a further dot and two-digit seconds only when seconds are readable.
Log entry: 7.19
